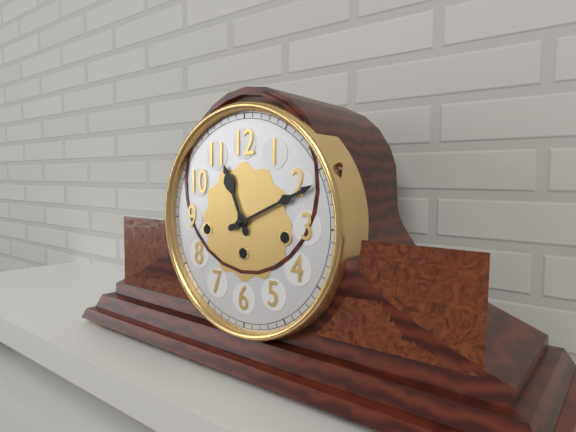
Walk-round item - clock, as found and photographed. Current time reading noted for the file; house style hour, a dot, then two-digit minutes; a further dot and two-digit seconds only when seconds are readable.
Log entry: 11.11
